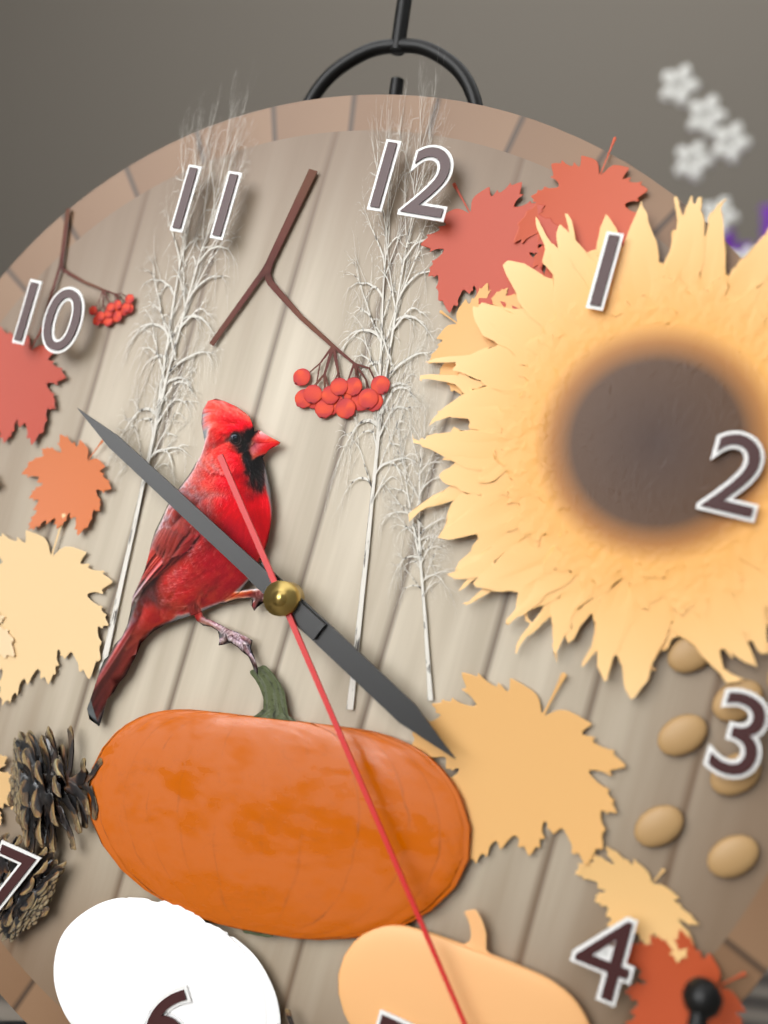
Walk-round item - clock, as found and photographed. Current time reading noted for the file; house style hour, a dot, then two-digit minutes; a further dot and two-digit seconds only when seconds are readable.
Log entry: 3.49
